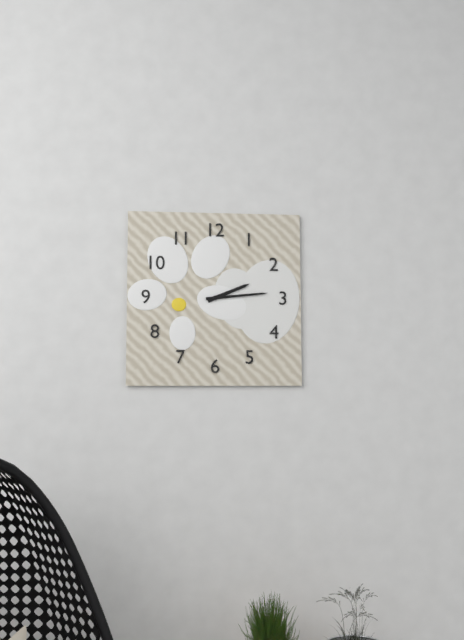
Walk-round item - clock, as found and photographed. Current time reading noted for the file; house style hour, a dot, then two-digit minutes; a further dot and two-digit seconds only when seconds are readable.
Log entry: 2.14
